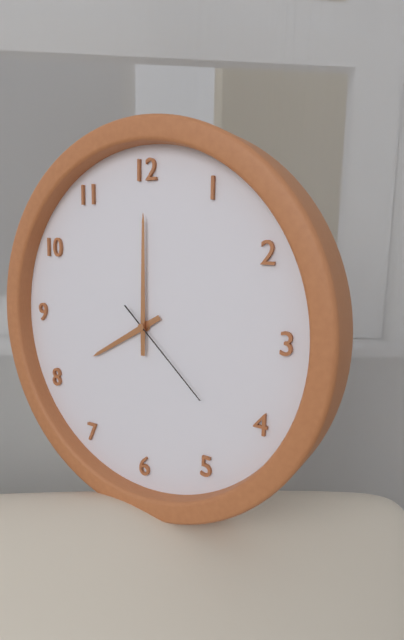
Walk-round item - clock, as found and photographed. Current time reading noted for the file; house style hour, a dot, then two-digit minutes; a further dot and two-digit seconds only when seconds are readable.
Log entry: 8.00.22
